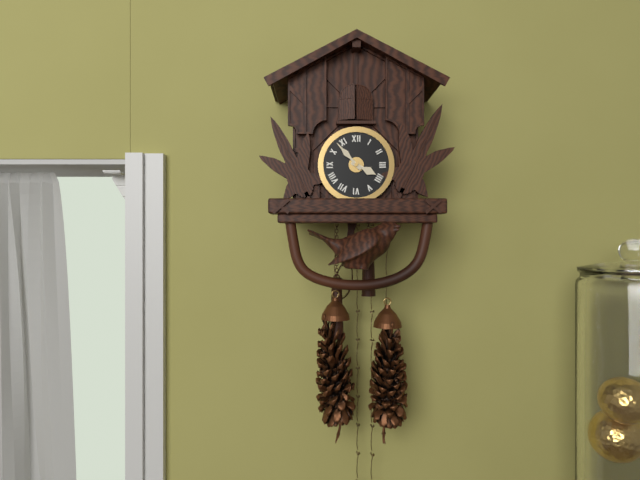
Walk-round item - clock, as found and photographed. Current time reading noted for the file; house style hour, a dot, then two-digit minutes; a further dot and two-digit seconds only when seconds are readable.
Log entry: 3.53
